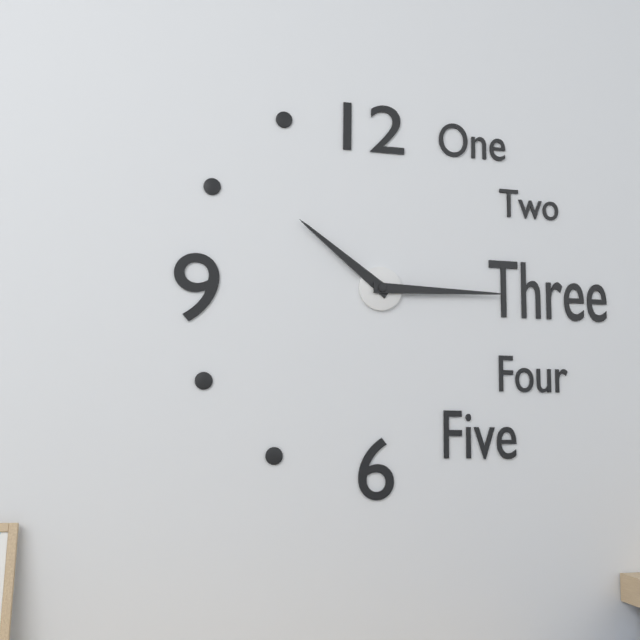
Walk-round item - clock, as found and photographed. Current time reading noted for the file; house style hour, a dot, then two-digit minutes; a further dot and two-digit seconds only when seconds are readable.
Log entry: 10.15
